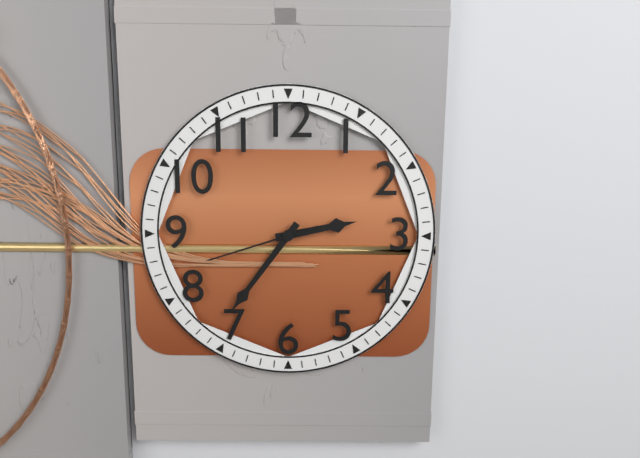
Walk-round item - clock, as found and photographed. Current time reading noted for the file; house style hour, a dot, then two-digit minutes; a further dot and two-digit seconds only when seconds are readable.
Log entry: 2.36.42
